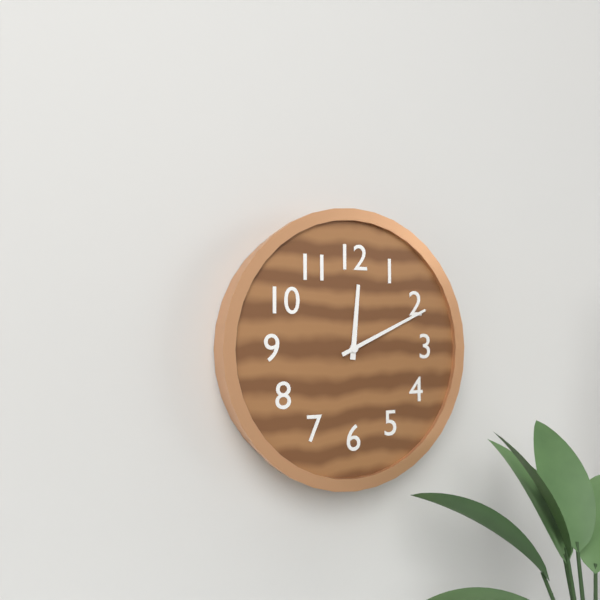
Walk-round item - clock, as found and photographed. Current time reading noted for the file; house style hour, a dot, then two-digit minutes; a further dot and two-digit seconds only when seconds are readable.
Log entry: 12.11
